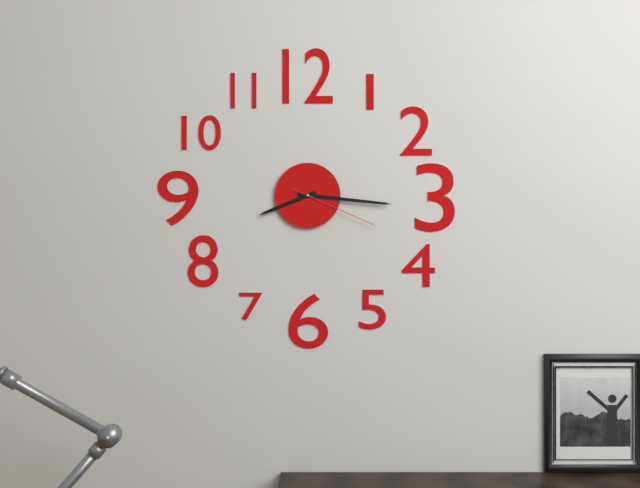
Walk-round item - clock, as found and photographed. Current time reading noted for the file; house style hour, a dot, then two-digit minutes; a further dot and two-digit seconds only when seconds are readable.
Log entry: 8.16.19
